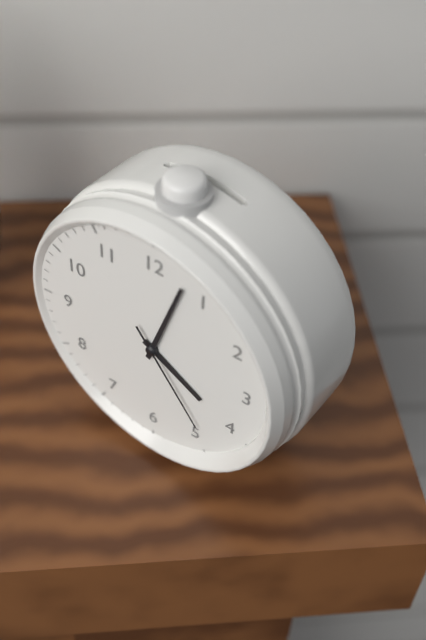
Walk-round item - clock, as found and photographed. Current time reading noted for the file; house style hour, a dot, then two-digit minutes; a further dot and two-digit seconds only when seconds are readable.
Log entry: 4.03.24
